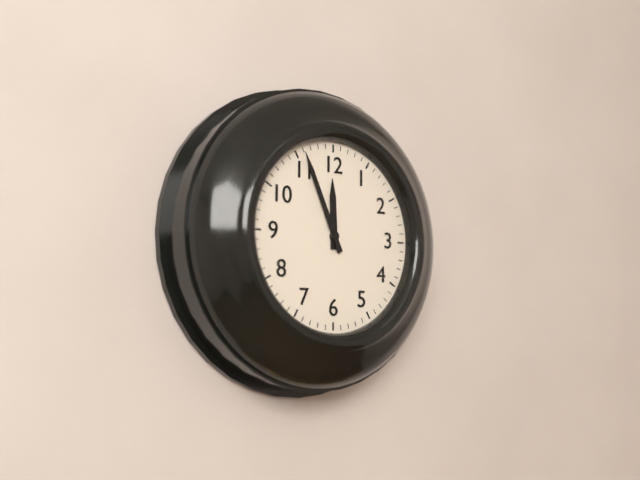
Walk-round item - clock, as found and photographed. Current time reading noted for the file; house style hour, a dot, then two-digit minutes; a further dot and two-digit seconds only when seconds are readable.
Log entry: 11.56
